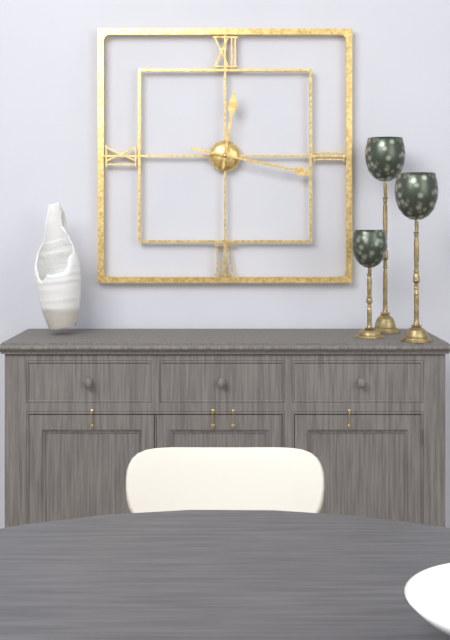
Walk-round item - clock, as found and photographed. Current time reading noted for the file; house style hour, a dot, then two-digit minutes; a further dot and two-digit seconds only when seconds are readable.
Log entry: 12.17
